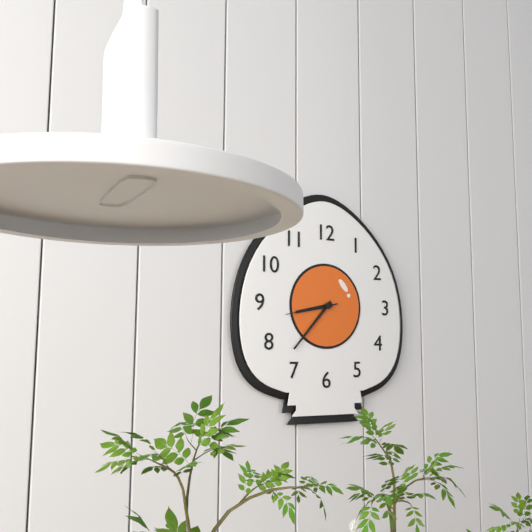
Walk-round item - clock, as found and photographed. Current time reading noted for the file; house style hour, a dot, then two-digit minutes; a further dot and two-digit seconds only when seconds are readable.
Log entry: 8.37.43
